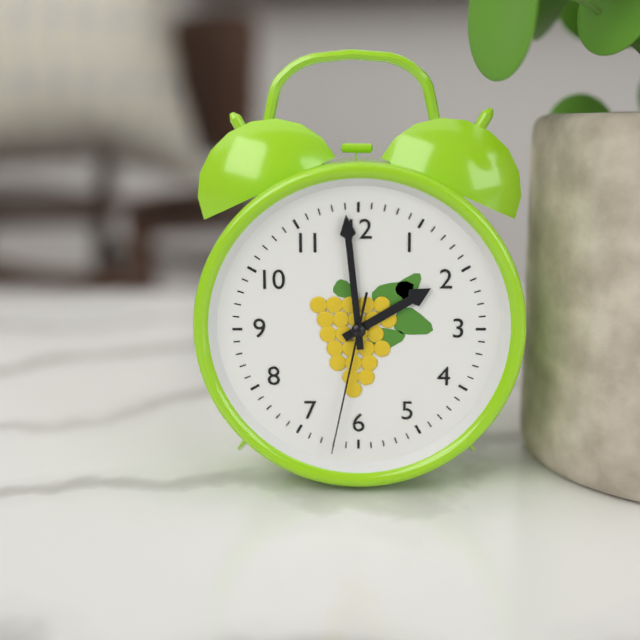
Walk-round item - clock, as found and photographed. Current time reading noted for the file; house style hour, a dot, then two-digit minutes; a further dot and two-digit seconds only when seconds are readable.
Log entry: 1.59.32
